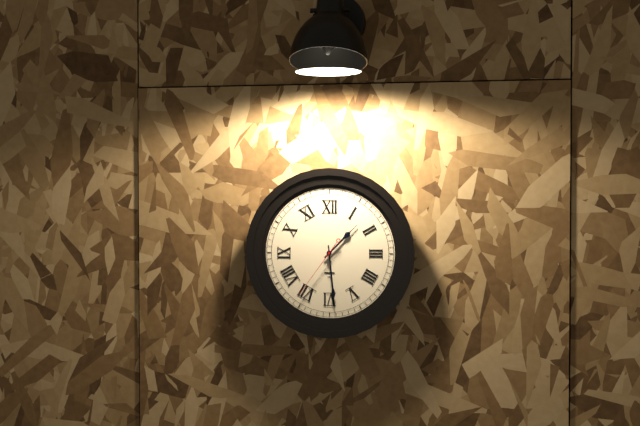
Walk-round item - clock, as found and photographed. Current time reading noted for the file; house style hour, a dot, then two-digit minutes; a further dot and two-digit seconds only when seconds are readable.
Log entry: 1.29.36
